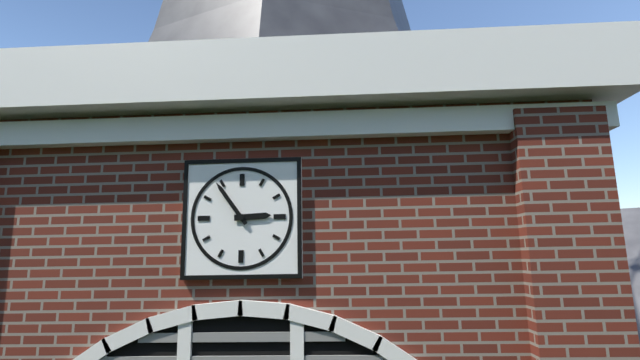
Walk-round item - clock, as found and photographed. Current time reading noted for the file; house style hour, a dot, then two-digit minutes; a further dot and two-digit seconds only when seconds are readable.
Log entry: 2.54
